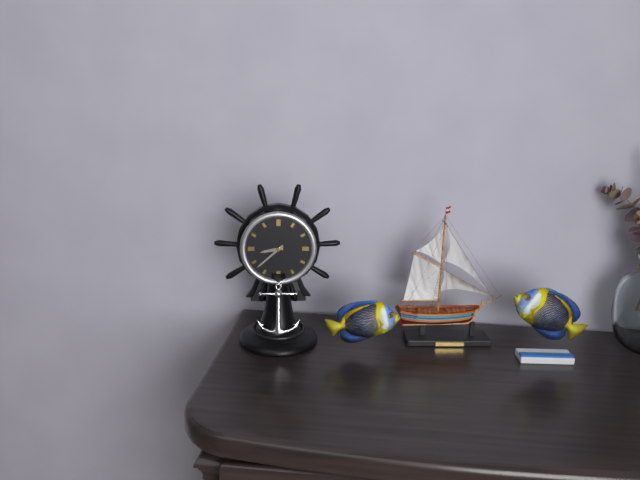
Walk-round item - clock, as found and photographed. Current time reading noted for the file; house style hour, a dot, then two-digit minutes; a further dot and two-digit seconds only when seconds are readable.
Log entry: 8.38
